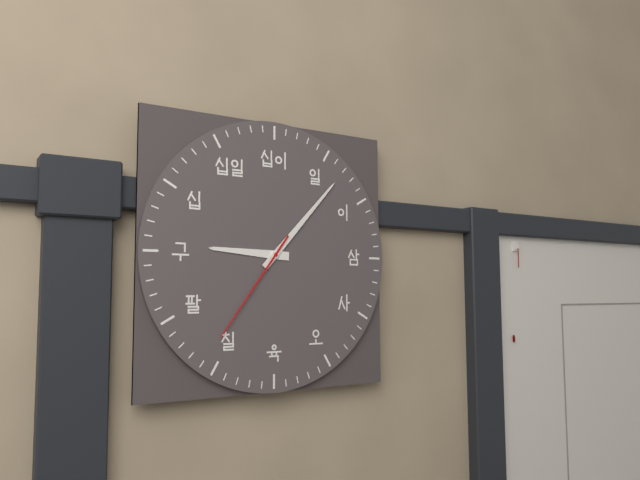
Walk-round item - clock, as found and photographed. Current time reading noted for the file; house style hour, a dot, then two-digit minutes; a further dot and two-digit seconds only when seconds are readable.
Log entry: 9.07.36
